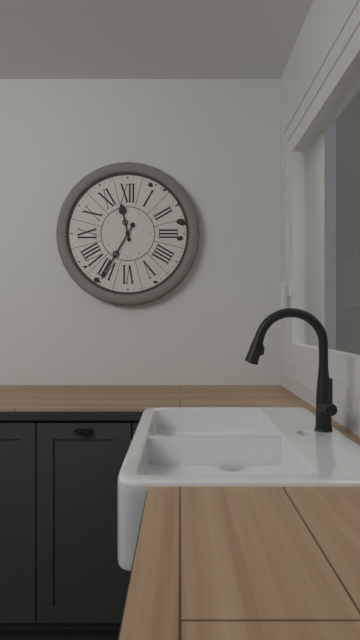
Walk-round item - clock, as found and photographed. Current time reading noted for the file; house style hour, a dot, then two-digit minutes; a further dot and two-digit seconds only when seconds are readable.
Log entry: 11.35
